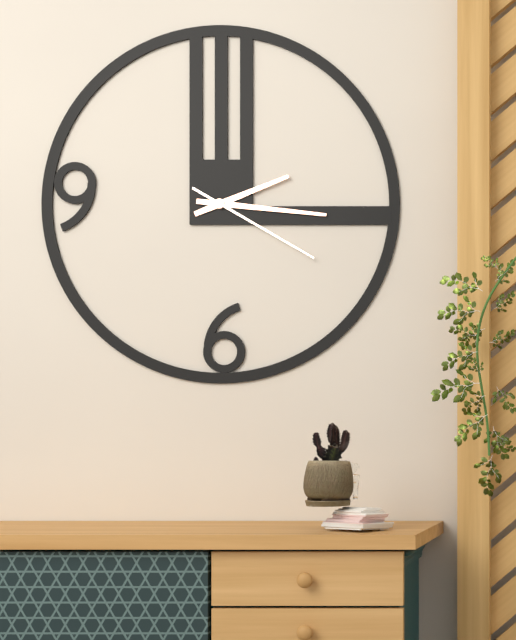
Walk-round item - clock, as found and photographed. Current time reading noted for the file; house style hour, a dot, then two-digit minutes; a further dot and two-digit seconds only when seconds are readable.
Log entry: 2.16.20
